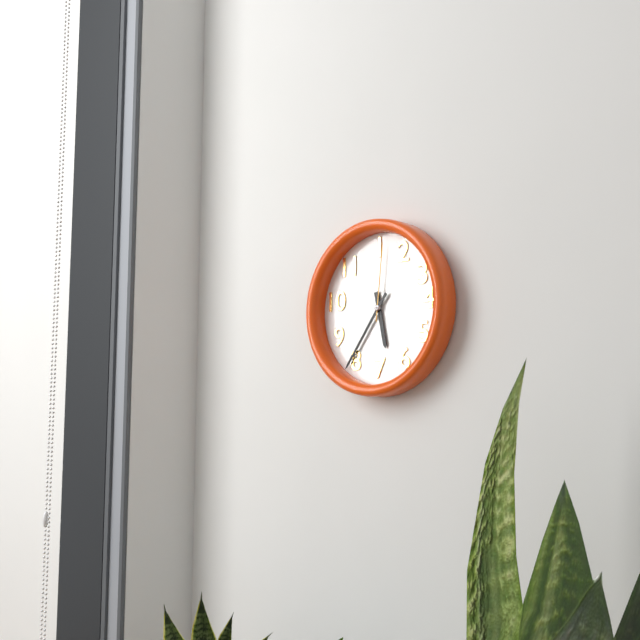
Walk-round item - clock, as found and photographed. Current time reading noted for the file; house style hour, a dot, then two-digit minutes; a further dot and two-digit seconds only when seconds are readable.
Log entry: 5.36.01
